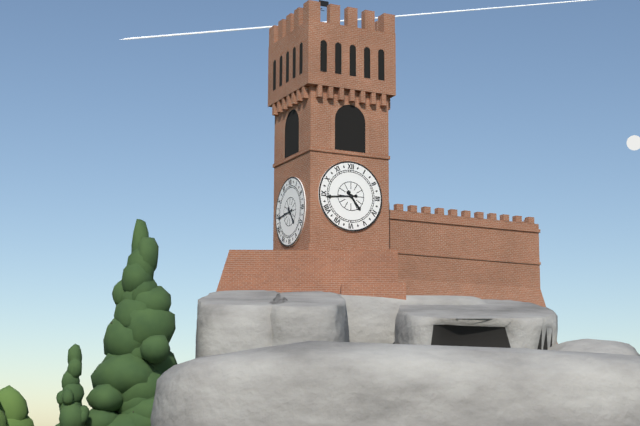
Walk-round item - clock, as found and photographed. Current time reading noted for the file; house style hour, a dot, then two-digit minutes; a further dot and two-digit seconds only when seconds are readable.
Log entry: 4.44
